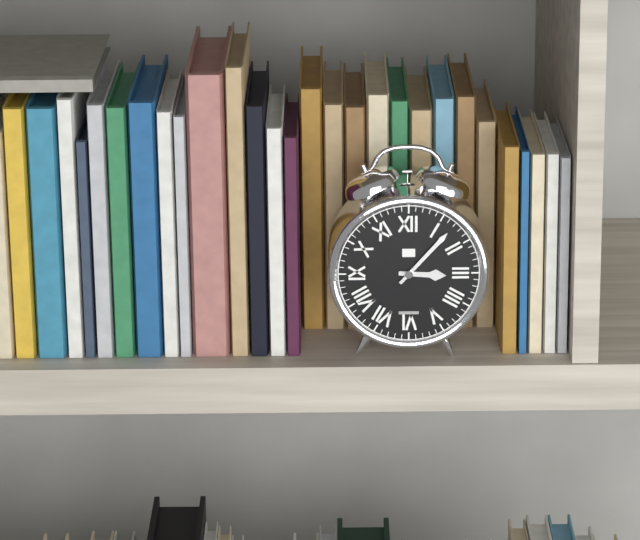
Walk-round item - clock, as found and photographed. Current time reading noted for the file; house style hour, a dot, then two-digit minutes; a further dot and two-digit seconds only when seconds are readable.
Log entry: 3.07
